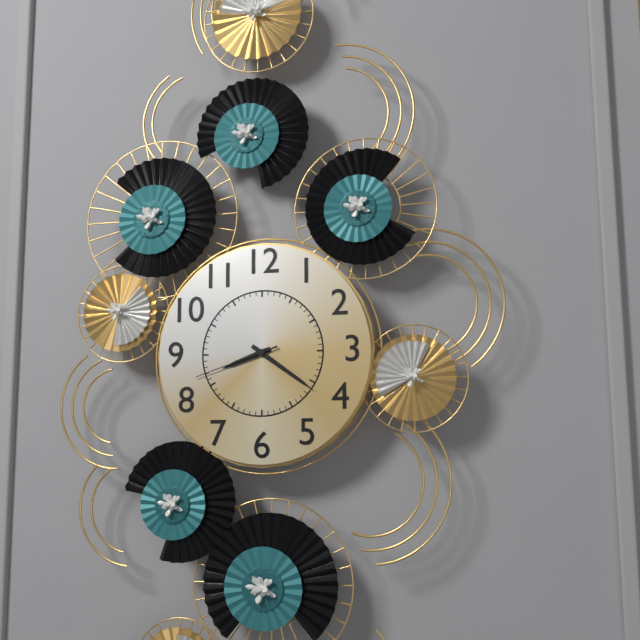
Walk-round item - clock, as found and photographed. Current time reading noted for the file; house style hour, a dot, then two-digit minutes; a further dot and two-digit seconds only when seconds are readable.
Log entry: 8.21.42
